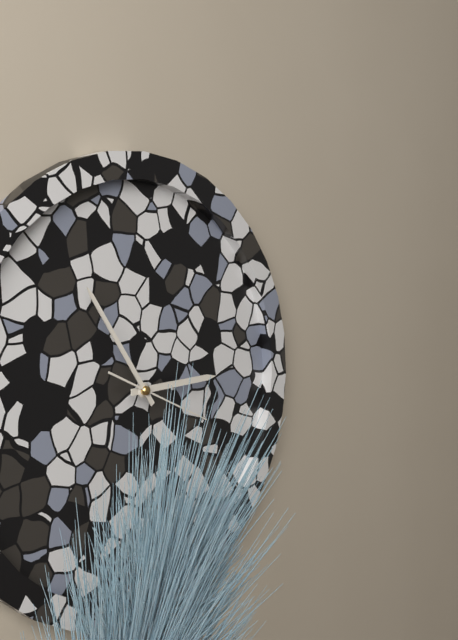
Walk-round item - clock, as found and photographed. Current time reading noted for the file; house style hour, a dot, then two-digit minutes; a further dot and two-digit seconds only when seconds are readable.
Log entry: 2.54.19
